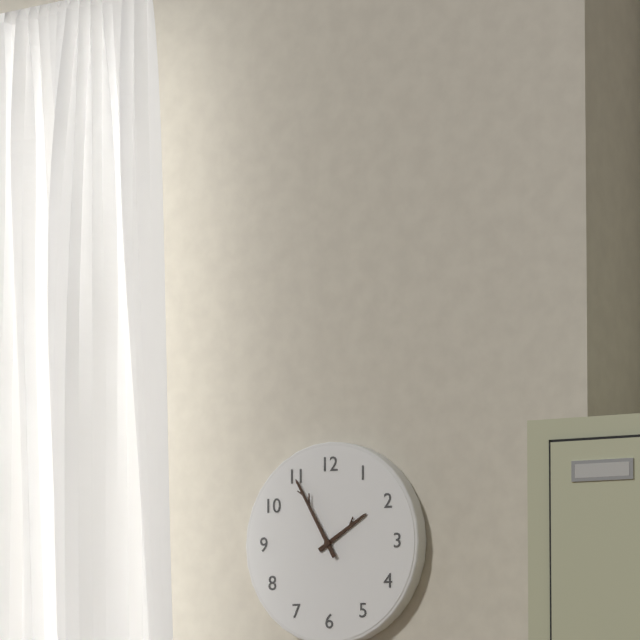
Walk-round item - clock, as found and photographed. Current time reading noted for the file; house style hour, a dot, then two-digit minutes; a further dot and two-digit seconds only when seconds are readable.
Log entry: 1.55
